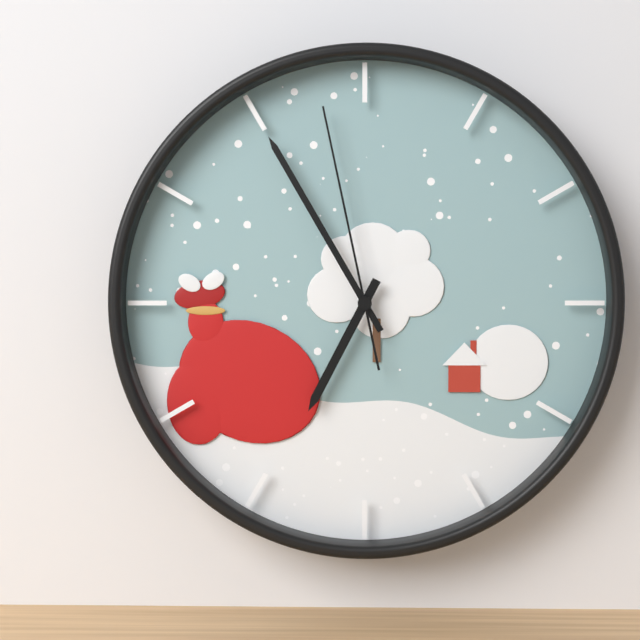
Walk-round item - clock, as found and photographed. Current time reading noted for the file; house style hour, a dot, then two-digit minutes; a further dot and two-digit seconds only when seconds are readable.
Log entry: 6.55.58
